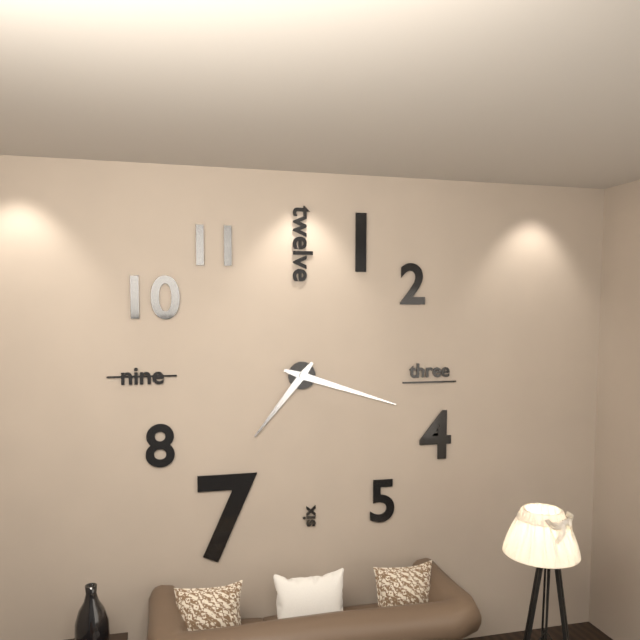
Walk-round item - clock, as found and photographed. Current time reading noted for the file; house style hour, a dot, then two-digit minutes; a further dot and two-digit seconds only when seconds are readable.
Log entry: 7.18
